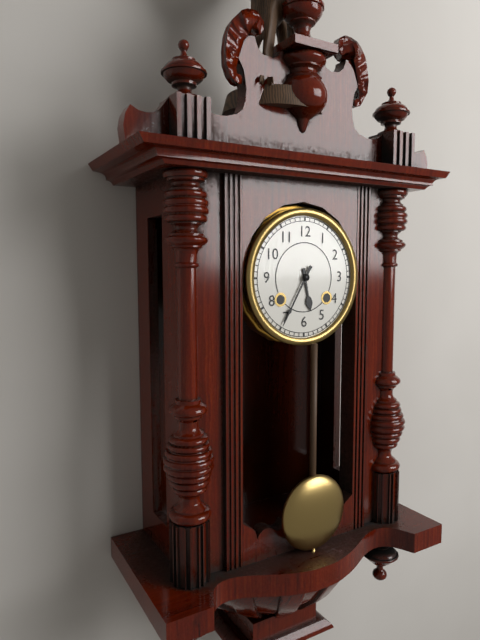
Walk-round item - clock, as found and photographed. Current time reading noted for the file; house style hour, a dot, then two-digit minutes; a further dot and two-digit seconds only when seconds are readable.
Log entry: 5.35
